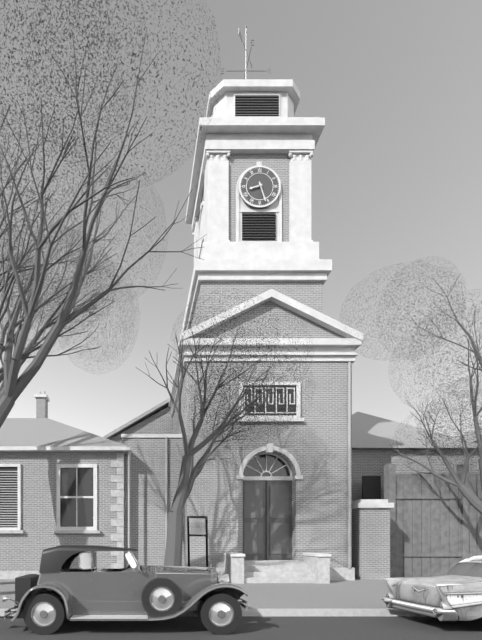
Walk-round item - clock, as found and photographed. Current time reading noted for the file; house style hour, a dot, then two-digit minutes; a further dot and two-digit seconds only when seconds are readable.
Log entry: 8.27
